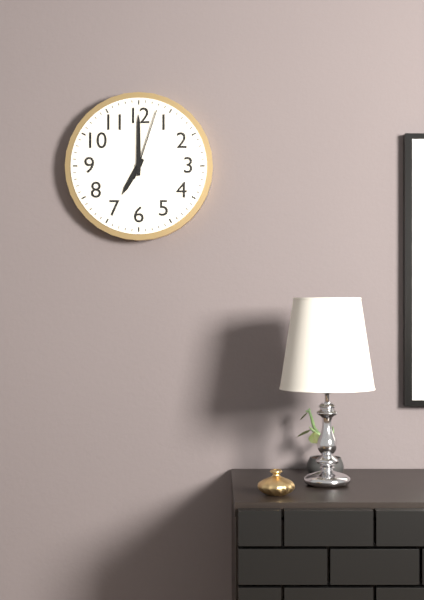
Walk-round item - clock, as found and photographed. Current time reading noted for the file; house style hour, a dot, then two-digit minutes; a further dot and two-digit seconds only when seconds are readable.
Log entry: 7.00.03
